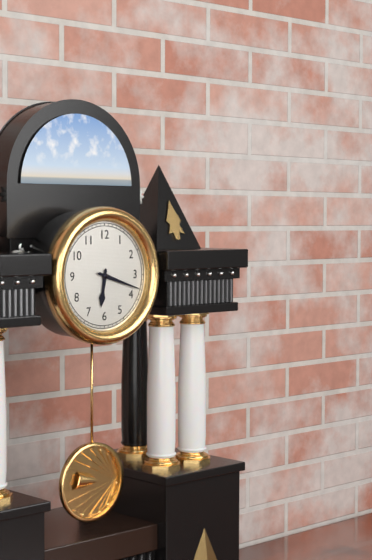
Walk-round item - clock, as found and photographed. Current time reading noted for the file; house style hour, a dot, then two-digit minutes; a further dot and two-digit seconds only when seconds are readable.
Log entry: 6.18
